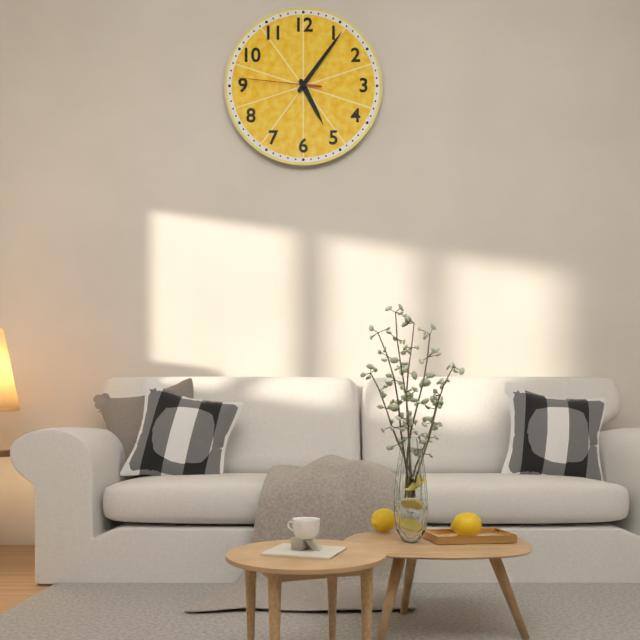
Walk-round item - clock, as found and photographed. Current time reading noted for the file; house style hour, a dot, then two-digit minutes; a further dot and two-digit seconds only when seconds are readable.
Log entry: 5.06.46
